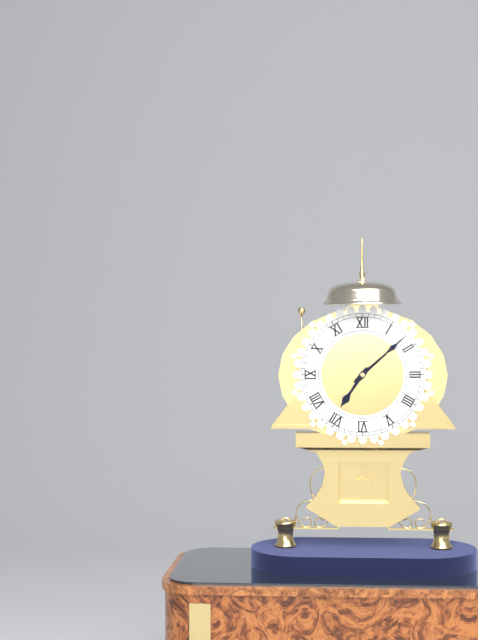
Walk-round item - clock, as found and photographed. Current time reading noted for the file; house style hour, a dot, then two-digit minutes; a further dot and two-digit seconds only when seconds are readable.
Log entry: 7.08
